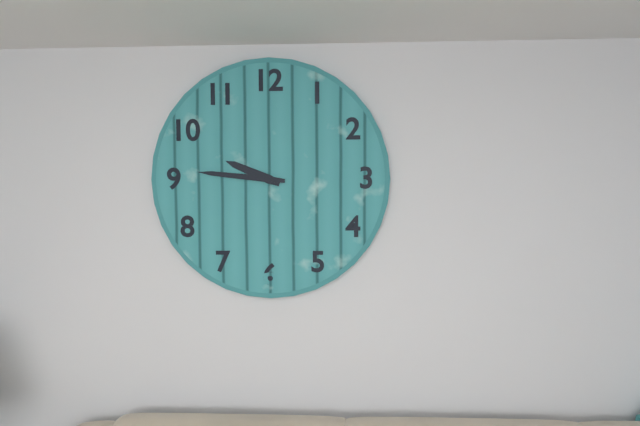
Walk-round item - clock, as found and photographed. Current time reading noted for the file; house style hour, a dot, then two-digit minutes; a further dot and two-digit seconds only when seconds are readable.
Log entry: 9.46
